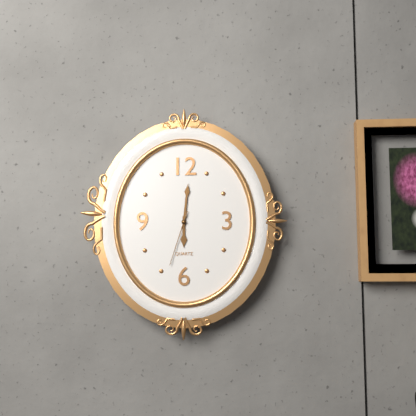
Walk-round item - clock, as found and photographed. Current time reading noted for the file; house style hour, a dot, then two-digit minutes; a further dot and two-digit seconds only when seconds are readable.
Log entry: 6.01.33
